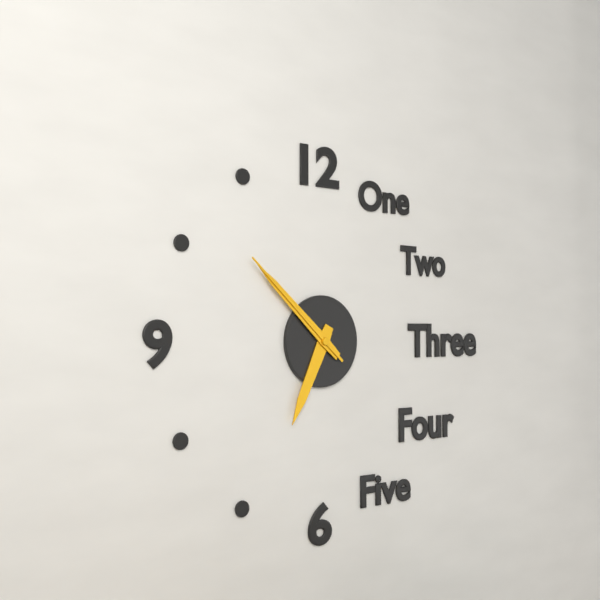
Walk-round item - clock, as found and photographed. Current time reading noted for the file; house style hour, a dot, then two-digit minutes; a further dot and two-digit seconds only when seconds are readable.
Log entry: 6.52.52
